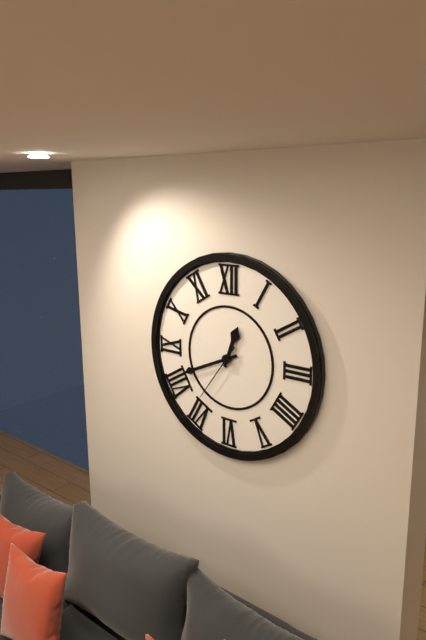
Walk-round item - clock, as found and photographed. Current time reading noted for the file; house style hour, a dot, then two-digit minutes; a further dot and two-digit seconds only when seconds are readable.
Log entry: 12.41.36
